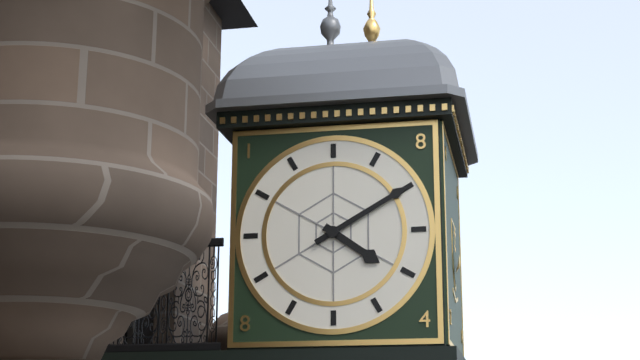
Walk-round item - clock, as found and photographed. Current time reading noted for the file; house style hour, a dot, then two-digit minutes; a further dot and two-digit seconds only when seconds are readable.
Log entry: 4.10
